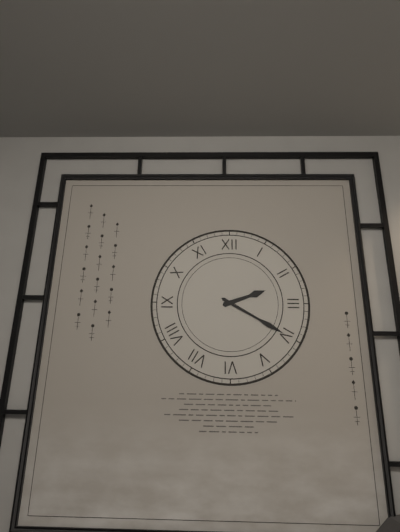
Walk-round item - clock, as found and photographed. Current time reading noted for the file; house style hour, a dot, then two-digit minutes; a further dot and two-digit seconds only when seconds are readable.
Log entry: 2.20
